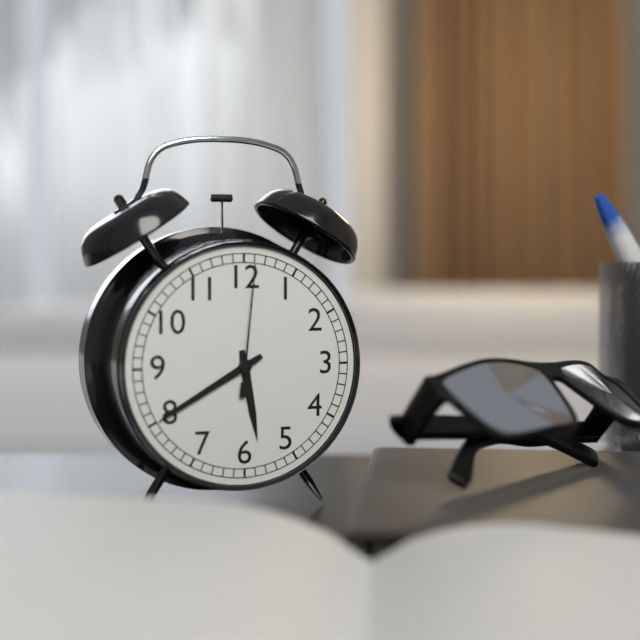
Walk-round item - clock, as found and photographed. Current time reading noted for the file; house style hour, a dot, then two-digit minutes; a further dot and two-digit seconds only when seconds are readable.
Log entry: 5.40.01
